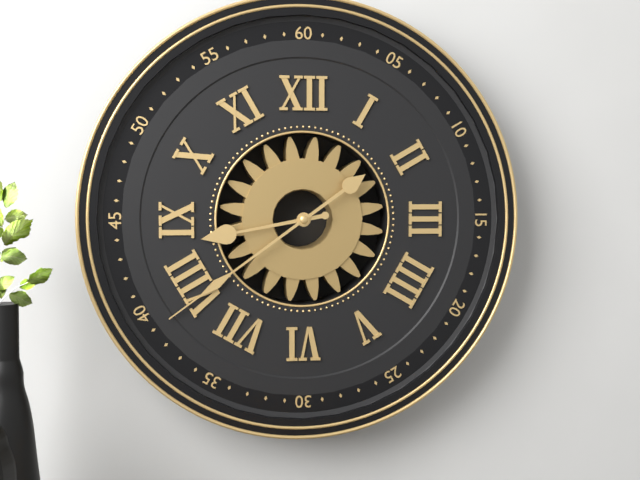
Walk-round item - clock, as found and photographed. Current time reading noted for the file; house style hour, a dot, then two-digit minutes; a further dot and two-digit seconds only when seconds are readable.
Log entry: 8.39
